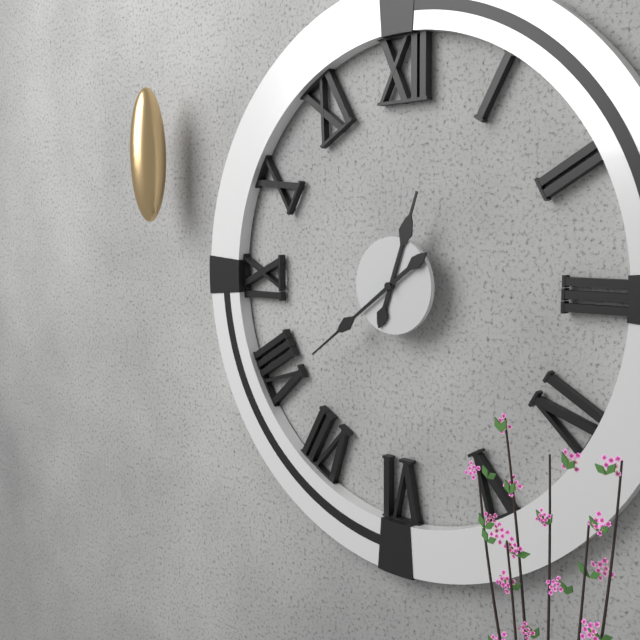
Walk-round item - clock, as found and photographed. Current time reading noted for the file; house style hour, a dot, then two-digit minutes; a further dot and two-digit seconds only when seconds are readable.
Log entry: 12.39
